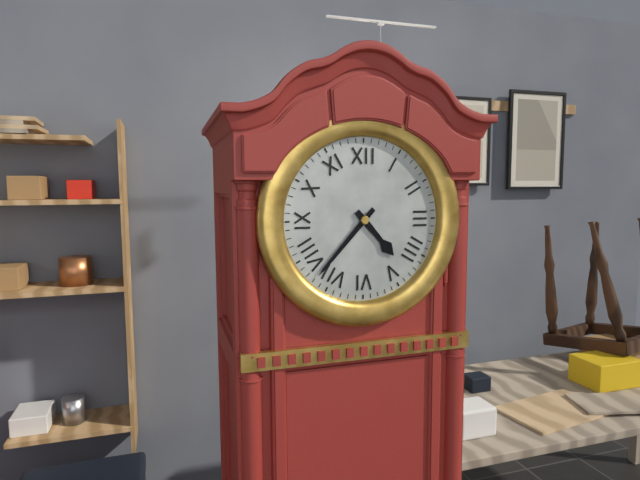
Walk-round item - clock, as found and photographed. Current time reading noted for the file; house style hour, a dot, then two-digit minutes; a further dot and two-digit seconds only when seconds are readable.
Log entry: 4.37
